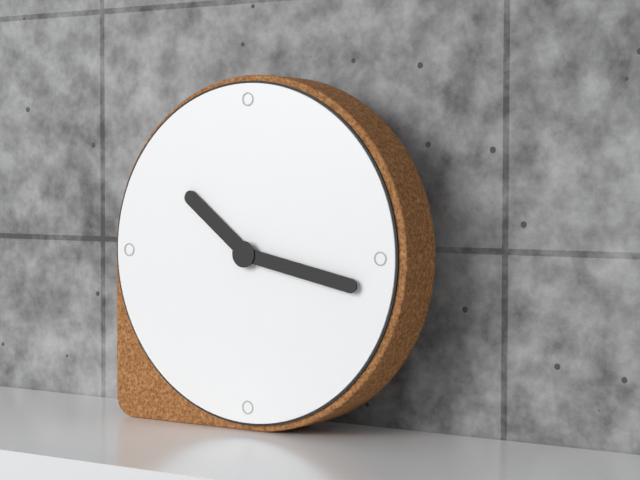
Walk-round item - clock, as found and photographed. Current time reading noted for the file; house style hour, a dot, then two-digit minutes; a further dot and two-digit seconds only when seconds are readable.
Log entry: 10.17
